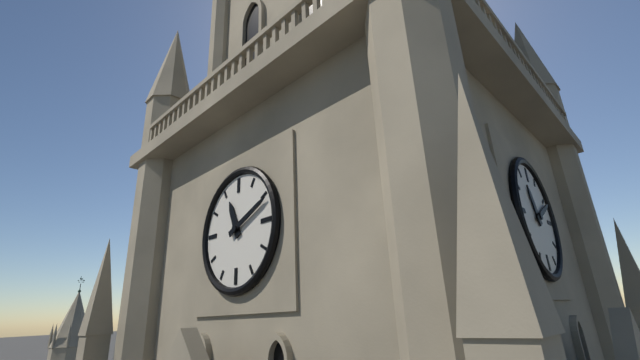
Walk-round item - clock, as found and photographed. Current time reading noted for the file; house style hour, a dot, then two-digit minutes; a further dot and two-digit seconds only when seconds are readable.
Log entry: 11.11
